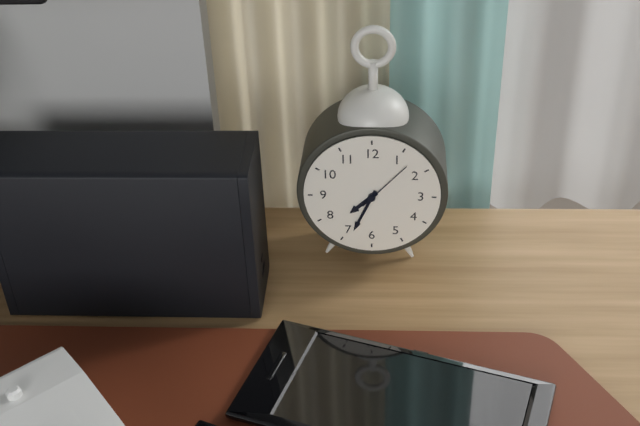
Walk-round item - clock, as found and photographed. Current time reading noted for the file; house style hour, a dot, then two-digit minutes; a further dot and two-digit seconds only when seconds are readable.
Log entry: 7.34.07
